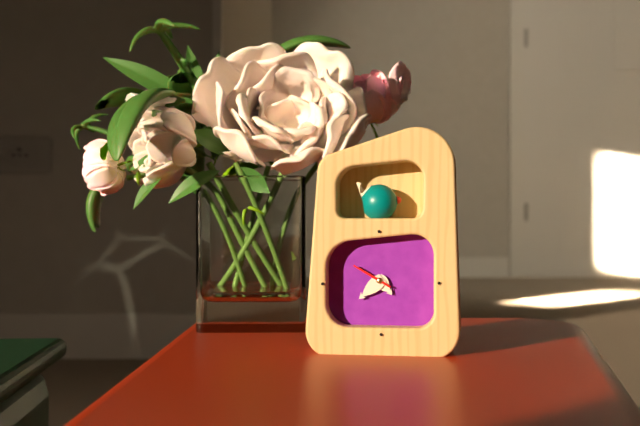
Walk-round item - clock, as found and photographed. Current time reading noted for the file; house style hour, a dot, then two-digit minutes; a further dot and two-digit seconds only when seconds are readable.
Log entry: 4.38
